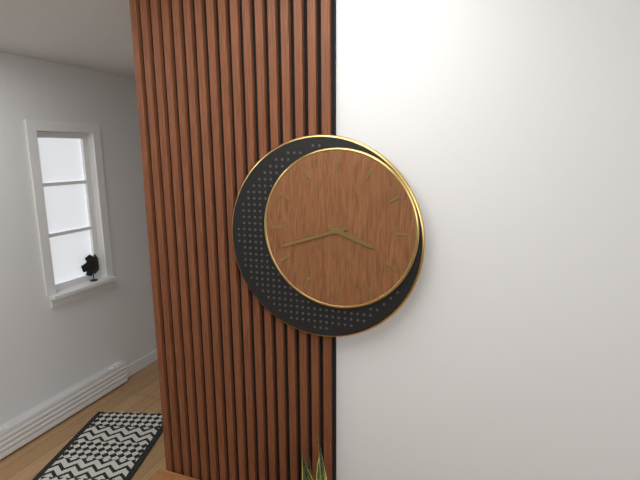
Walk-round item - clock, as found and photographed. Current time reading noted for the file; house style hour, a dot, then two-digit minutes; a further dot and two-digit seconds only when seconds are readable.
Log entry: 3.42
